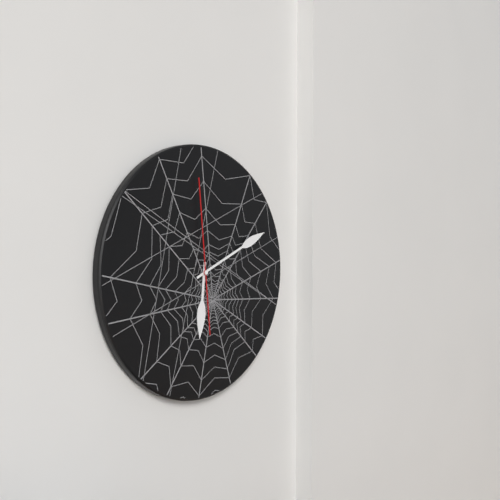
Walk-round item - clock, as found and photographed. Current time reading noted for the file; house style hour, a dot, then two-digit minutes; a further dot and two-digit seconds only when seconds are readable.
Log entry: 6.11.59
